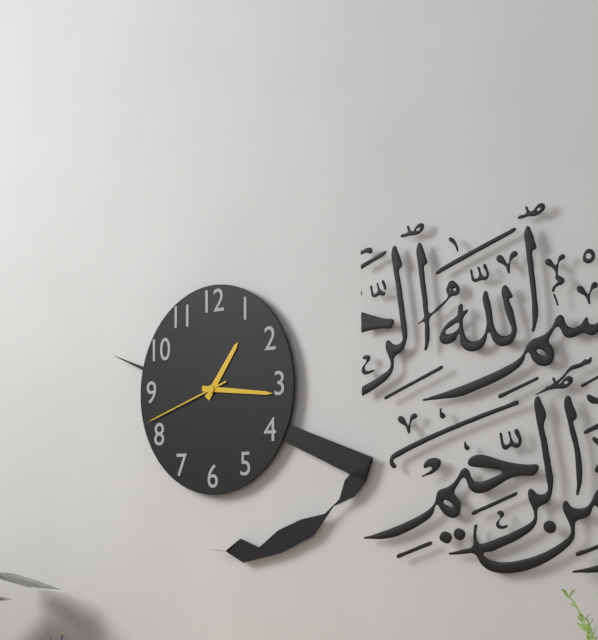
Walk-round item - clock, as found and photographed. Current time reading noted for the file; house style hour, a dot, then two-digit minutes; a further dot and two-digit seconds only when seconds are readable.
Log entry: 1.16.42
